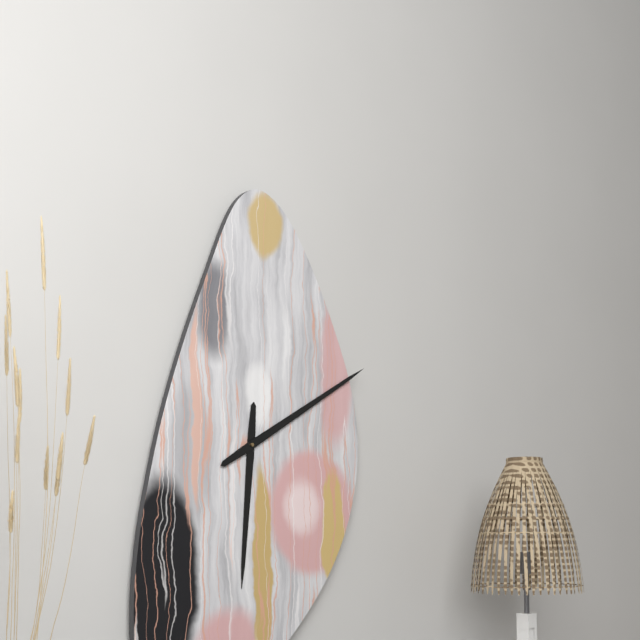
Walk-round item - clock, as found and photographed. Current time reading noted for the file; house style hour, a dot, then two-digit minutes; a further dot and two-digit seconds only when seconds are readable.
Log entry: 6.10
